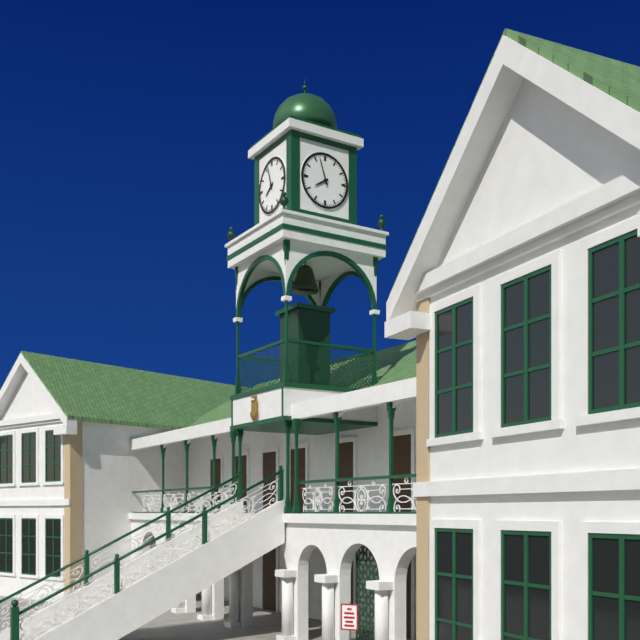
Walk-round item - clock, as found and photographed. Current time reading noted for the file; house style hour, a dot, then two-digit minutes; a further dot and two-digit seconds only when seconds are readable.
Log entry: 7.57
